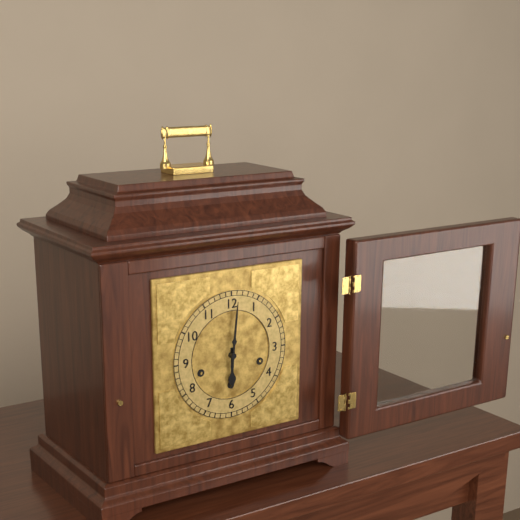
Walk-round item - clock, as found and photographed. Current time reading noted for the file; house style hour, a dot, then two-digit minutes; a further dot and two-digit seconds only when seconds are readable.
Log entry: 6.01
